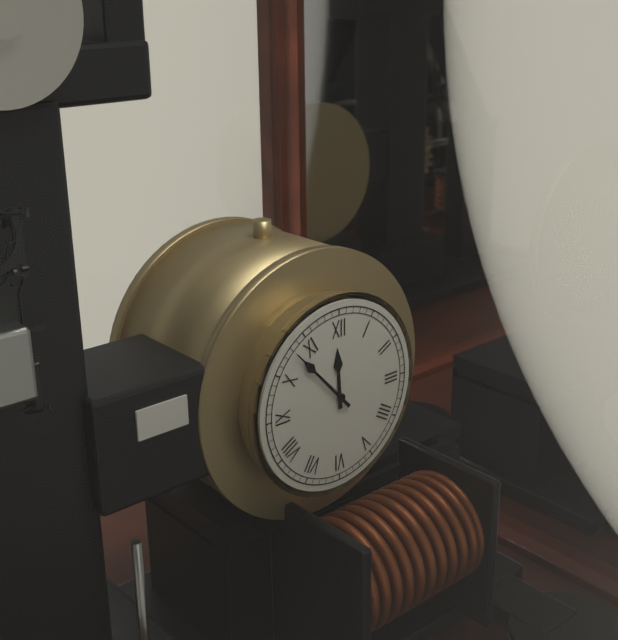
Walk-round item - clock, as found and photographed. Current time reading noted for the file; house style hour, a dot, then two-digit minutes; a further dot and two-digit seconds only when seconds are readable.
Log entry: 11.53
